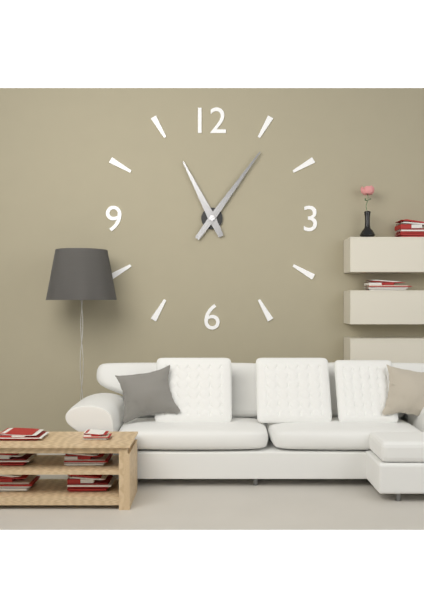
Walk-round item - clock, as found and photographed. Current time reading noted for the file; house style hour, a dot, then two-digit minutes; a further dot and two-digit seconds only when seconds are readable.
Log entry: 11.06
